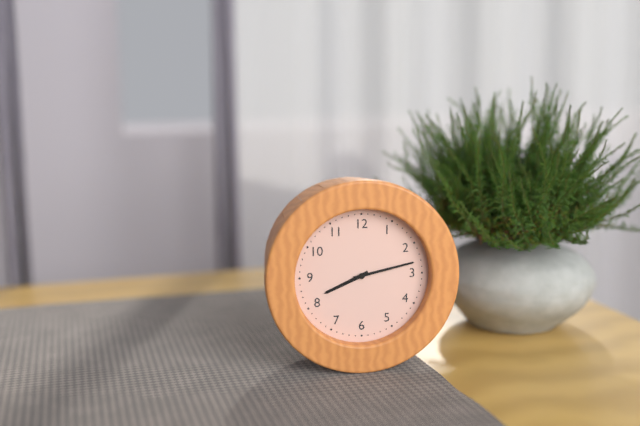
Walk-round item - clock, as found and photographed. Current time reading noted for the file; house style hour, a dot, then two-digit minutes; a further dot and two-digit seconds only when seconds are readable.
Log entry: 8.13
